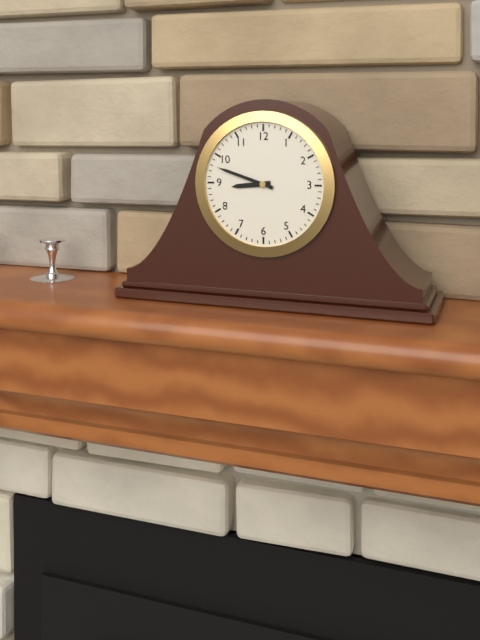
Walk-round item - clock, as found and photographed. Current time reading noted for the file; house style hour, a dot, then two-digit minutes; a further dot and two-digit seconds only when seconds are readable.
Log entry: 8.48
